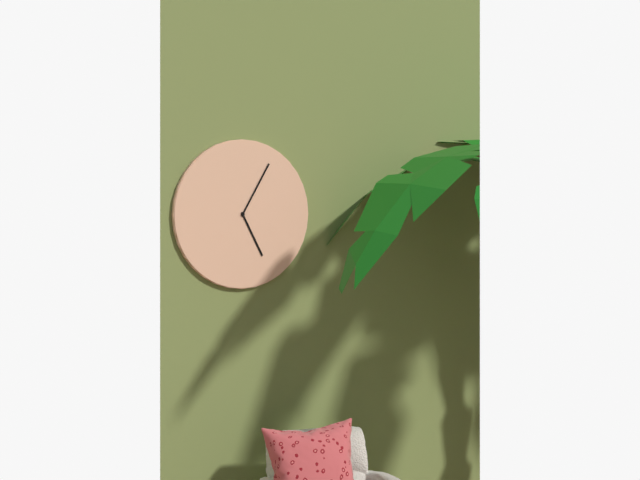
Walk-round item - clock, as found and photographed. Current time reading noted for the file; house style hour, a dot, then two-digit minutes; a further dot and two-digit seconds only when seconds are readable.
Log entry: 5.05
